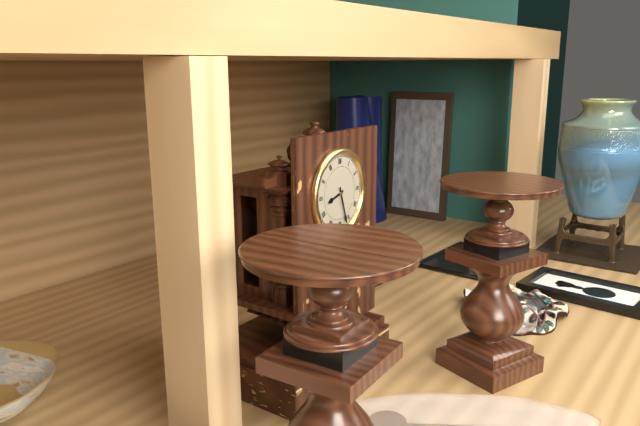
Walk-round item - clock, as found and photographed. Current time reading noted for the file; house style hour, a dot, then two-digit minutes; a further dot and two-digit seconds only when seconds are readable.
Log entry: 8.27
